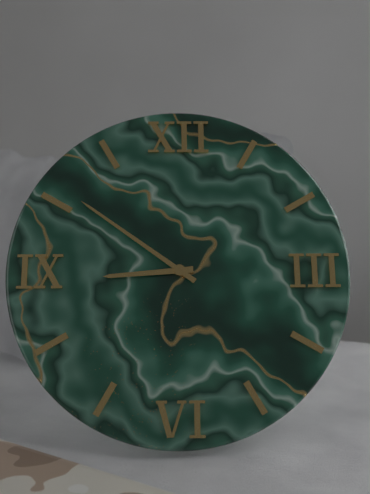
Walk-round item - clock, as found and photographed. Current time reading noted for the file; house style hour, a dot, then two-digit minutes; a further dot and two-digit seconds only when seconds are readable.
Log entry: 8.51
